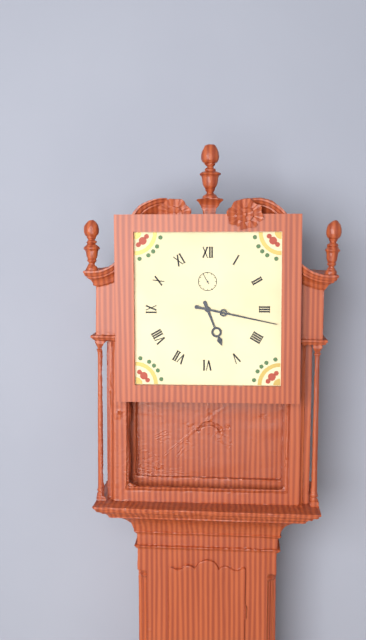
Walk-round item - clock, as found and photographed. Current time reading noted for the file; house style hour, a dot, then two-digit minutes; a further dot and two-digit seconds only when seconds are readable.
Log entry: 5.17
